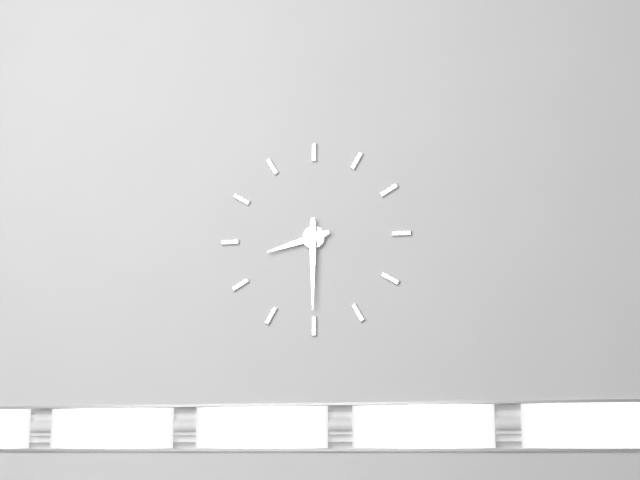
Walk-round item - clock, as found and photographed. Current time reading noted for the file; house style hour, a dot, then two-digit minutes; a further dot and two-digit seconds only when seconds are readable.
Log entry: 8.30
